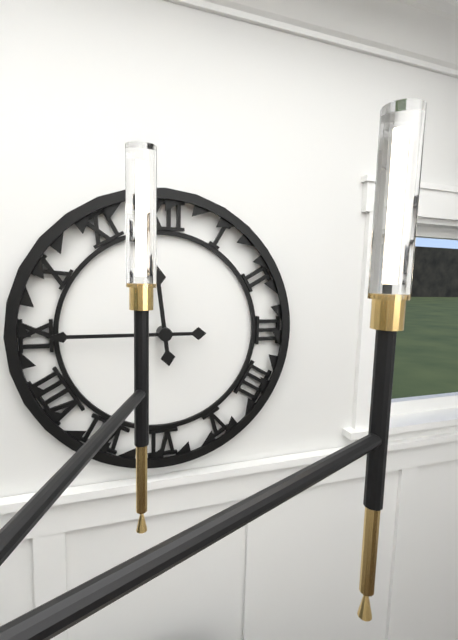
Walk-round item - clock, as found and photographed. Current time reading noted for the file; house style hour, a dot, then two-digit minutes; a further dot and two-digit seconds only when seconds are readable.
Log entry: 11.45
